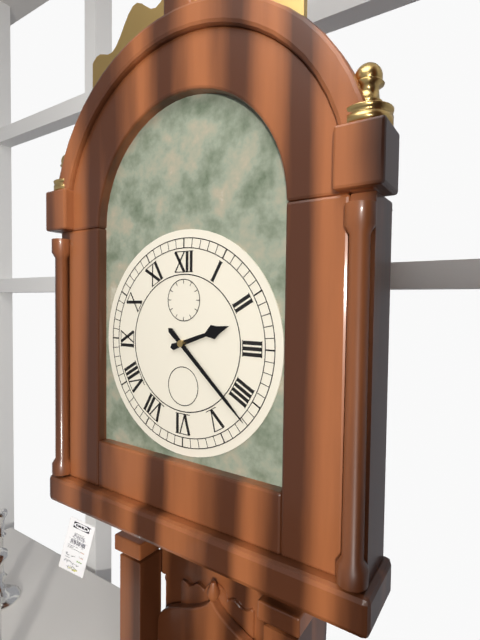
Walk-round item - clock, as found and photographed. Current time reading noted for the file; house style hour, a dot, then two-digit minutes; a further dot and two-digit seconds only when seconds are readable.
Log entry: 2.22
